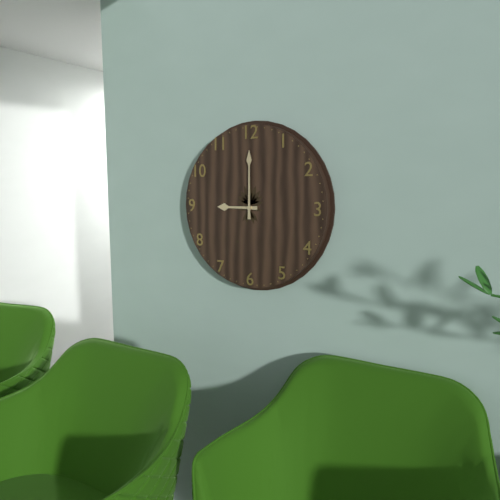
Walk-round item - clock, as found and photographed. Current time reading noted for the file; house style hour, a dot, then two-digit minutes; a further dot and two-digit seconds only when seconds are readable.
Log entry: 9.00
